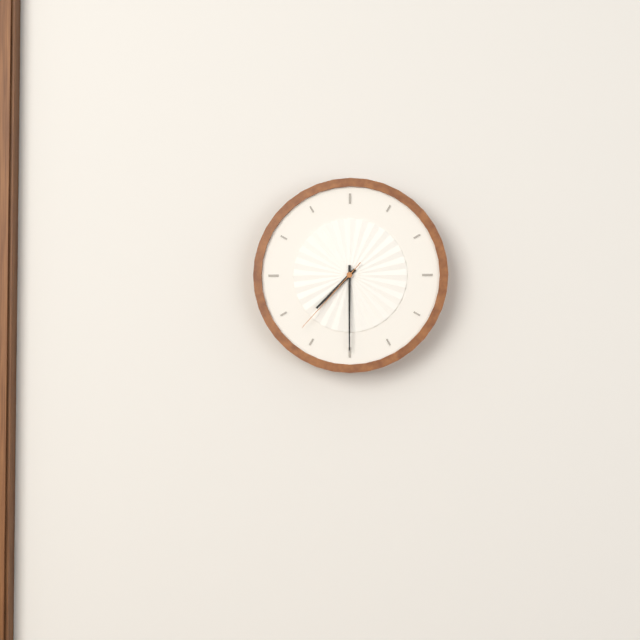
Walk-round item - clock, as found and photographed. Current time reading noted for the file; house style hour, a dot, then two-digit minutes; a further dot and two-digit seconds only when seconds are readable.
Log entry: 7.30.37
